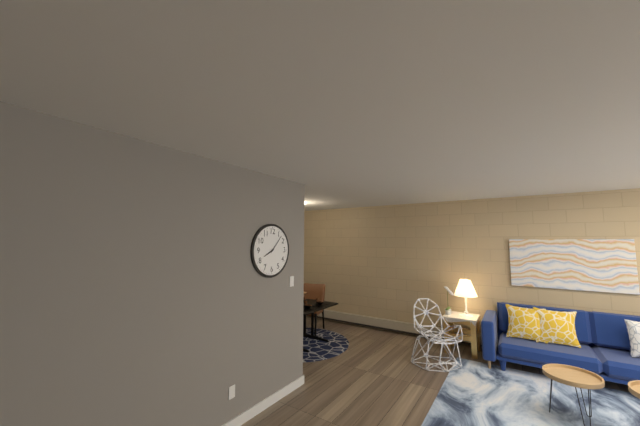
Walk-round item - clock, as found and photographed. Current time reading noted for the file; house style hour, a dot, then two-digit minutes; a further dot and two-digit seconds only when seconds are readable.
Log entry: 8.07
